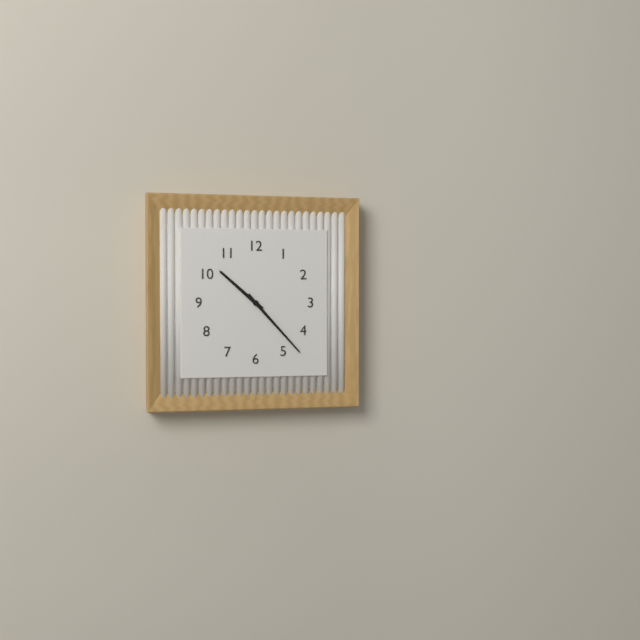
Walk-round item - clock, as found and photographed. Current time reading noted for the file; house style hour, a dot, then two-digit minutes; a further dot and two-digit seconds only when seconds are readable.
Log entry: 10.23
